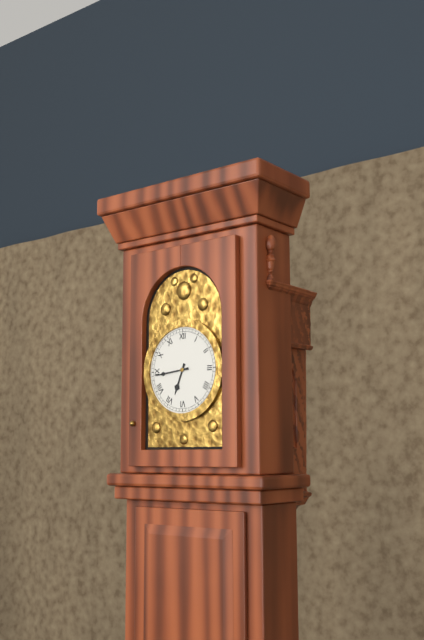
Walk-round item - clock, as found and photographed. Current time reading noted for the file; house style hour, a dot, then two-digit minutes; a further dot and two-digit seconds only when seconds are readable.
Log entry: 6.44
